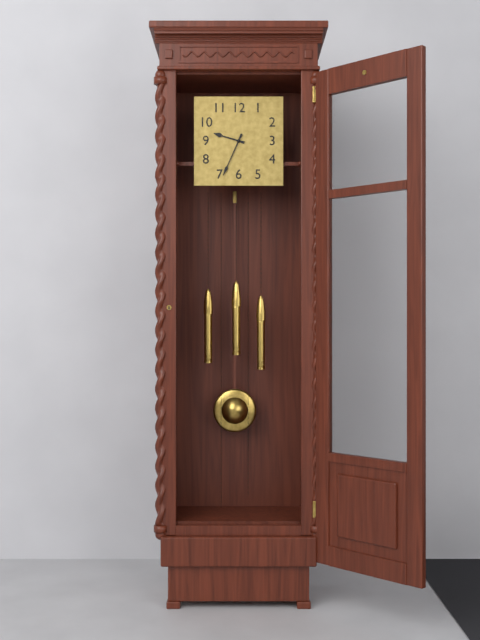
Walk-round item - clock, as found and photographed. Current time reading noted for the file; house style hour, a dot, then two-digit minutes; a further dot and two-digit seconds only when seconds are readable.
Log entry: 9.34
